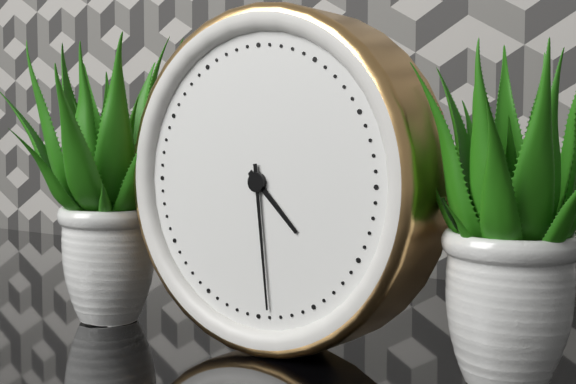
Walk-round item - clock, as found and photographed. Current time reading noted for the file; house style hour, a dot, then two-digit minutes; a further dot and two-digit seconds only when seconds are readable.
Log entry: 4.29
